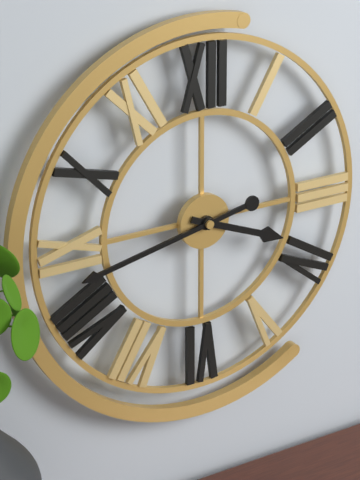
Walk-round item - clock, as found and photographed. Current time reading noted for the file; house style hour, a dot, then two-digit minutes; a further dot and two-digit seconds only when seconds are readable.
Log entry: 3.43
